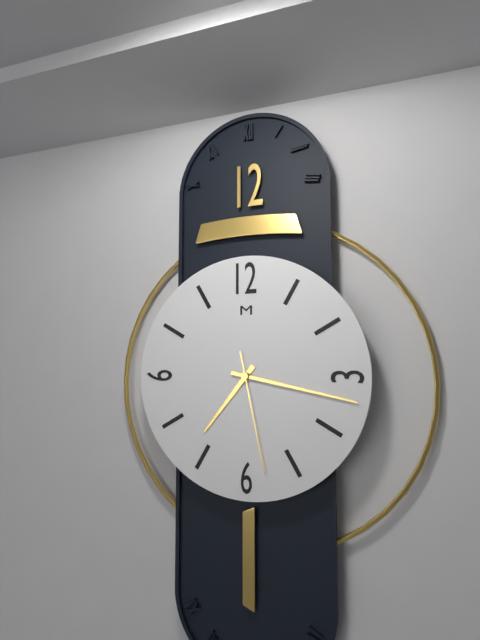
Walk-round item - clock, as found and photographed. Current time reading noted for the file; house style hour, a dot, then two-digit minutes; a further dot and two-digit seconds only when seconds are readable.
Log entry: 7.17.28
